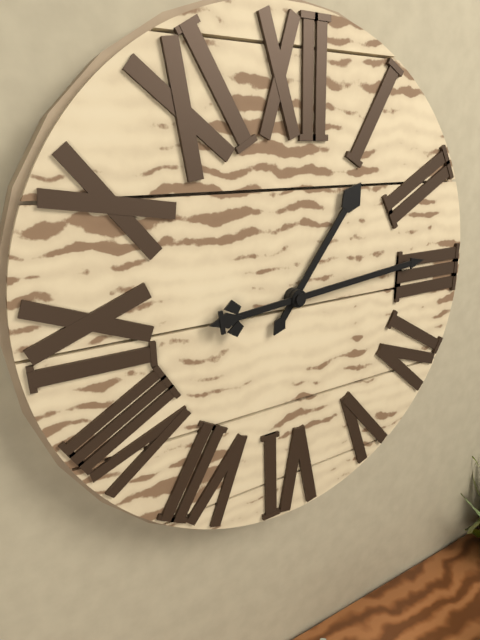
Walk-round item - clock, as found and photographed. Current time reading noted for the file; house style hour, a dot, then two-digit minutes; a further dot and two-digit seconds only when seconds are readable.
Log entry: 1.14
